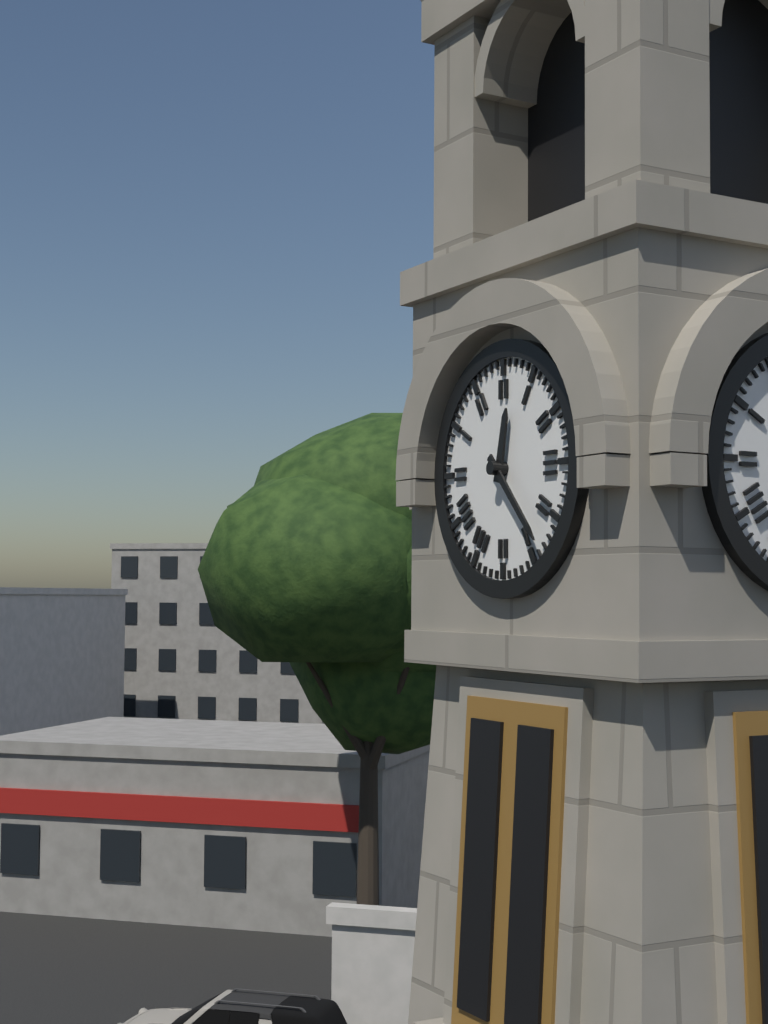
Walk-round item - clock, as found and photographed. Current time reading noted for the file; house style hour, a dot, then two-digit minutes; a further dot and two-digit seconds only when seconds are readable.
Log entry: 12.23
